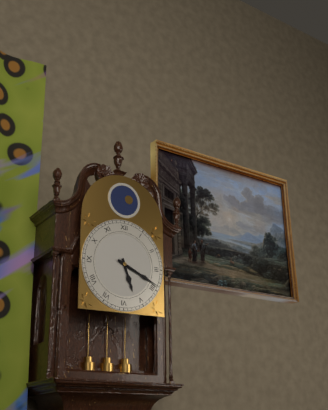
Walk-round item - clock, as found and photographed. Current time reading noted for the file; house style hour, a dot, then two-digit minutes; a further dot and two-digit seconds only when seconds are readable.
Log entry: 5.19
